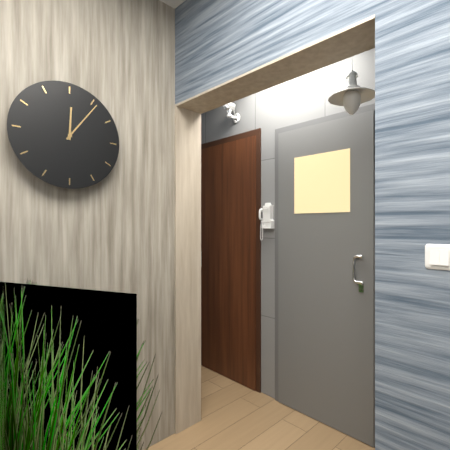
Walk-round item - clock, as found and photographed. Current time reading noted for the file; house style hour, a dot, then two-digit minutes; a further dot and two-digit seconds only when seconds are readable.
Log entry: 12.06
